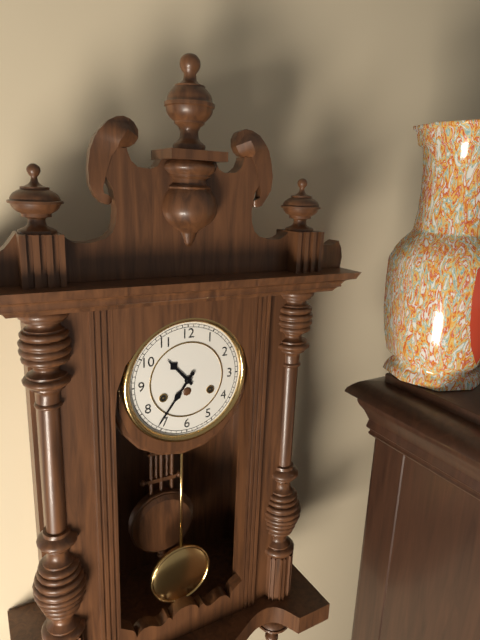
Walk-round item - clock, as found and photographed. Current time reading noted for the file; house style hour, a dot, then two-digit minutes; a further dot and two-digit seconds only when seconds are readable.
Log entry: 10.36
